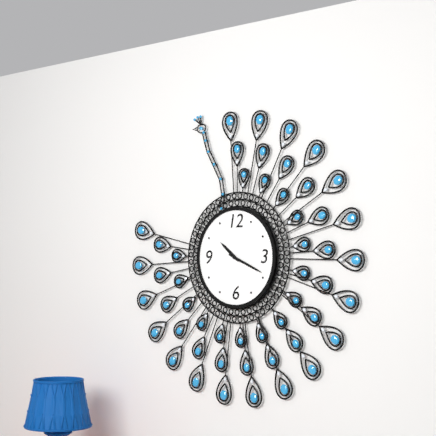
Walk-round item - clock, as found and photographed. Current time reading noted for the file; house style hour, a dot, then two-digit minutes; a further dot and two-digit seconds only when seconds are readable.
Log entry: 10.19
